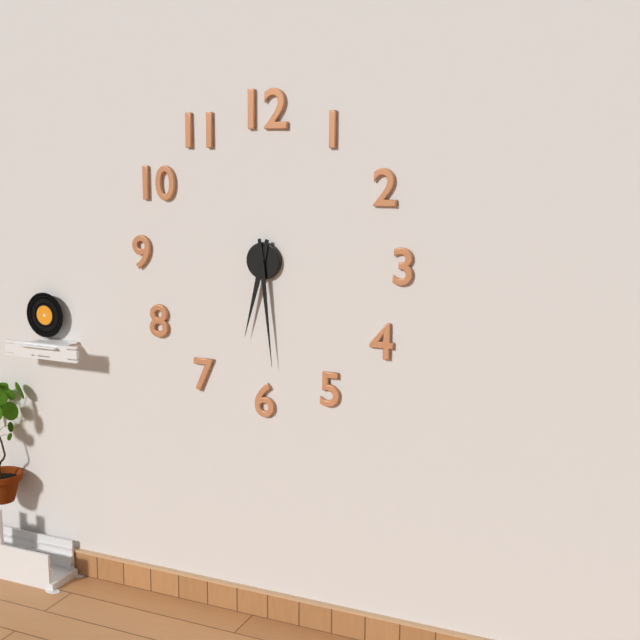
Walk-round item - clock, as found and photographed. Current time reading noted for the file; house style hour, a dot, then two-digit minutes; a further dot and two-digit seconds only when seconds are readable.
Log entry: 6.29
